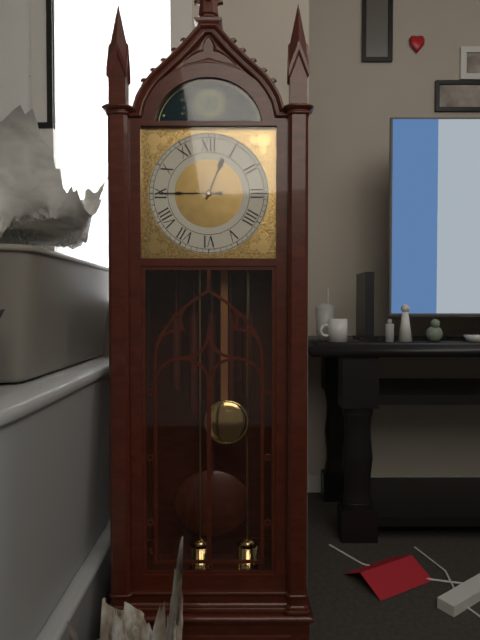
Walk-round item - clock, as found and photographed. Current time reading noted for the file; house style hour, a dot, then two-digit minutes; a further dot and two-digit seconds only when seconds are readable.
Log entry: 12.45
